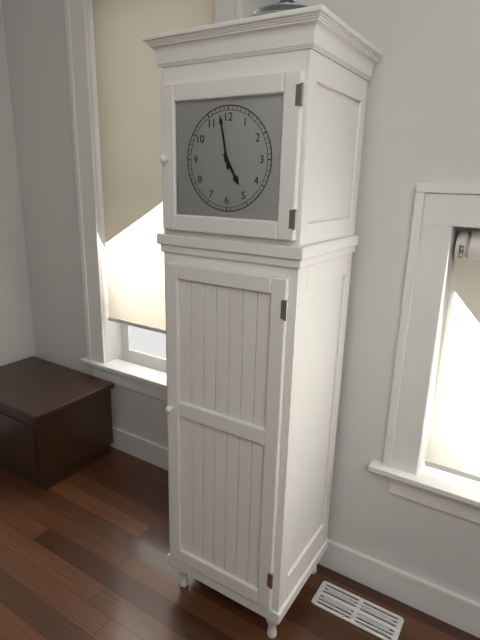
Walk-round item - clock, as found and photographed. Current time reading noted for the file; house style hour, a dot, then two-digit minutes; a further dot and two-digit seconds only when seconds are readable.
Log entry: 4.58
